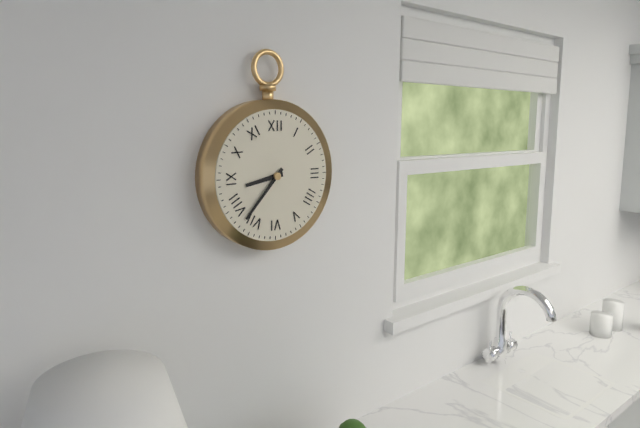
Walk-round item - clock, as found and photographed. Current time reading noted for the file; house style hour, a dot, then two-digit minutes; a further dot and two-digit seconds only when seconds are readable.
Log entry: 8.37
